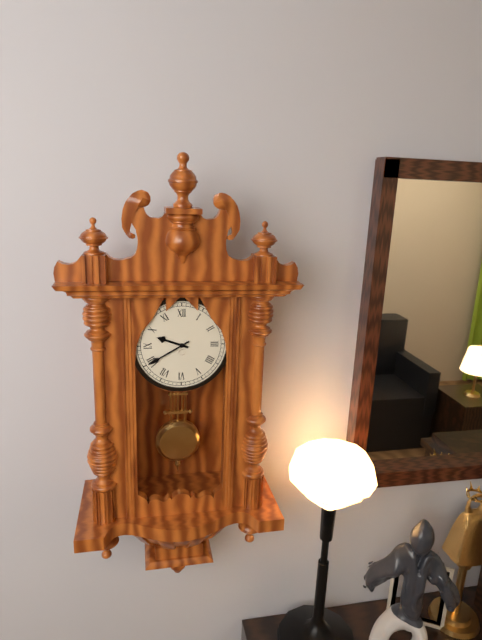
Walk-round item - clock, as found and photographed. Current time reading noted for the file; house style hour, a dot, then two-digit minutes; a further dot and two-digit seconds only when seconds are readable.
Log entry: 9.40
